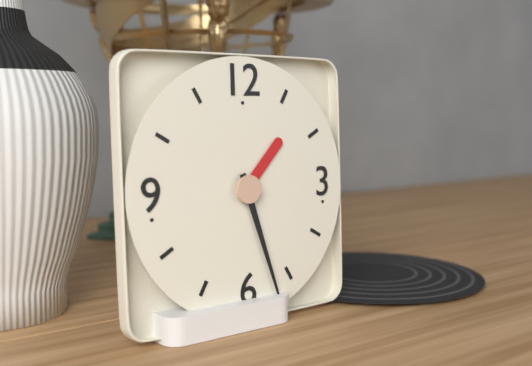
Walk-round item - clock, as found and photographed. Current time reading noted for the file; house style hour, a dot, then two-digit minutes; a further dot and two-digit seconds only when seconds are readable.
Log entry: 1.27
